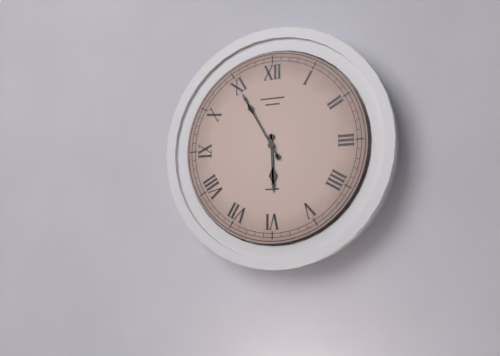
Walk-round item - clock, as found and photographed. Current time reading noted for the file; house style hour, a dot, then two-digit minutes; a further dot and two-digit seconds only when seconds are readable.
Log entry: 5.55
